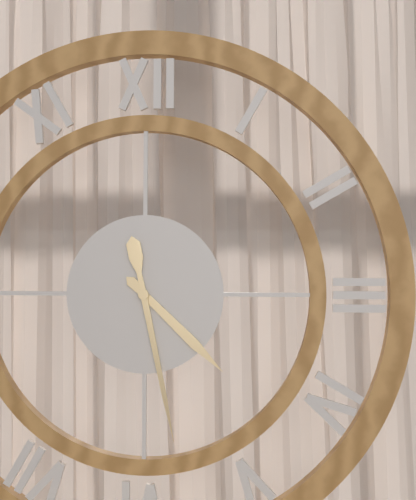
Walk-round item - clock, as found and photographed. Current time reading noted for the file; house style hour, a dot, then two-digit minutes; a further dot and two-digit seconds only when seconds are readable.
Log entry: 4.28
